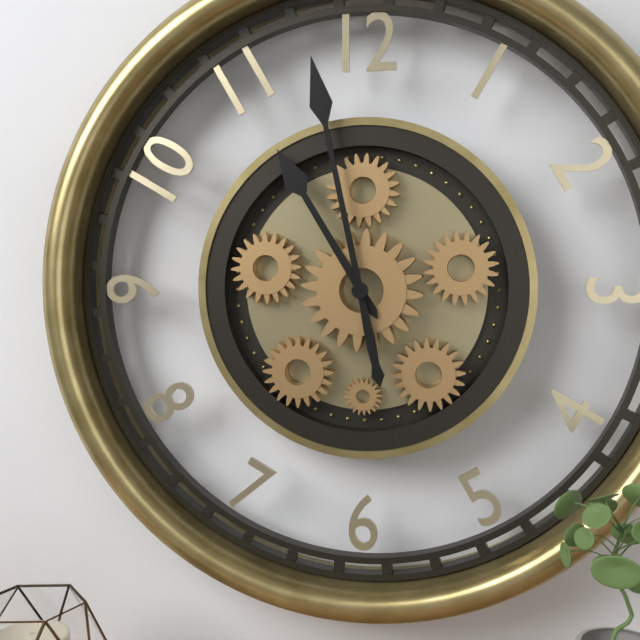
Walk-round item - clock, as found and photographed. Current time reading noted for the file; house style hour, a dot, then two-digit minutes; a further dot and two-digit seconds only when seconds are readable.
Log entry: 10.58
